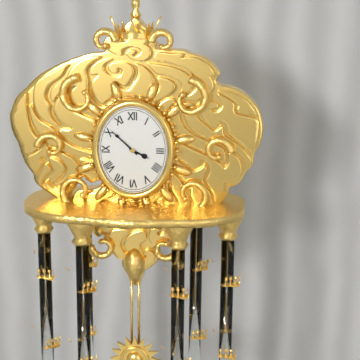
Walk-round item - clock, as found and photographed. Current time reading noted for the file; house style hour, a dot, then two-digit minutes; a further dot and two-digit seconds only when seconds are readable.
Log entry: 3.52
